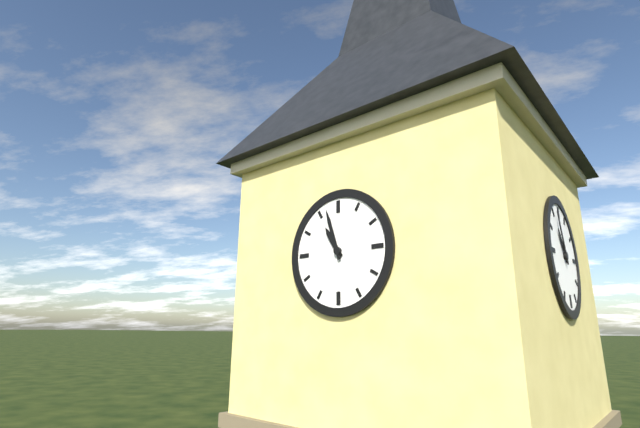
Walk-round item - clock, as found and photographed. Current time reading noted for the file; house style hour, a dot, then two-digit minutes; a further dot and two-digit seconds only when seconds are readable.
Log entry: 10.57
